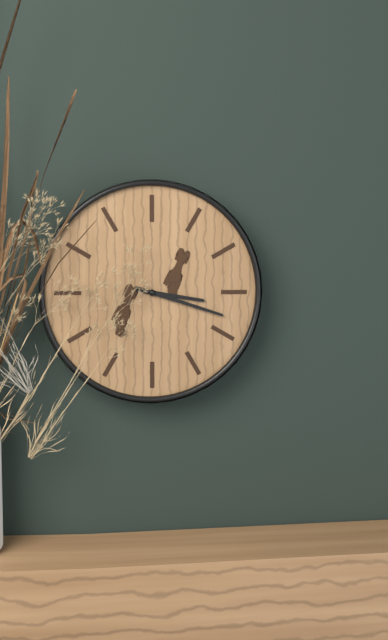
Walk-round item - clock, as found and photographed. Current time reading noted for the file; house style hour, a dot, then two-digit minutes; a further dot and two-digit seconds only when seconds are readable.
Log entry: 3.18
